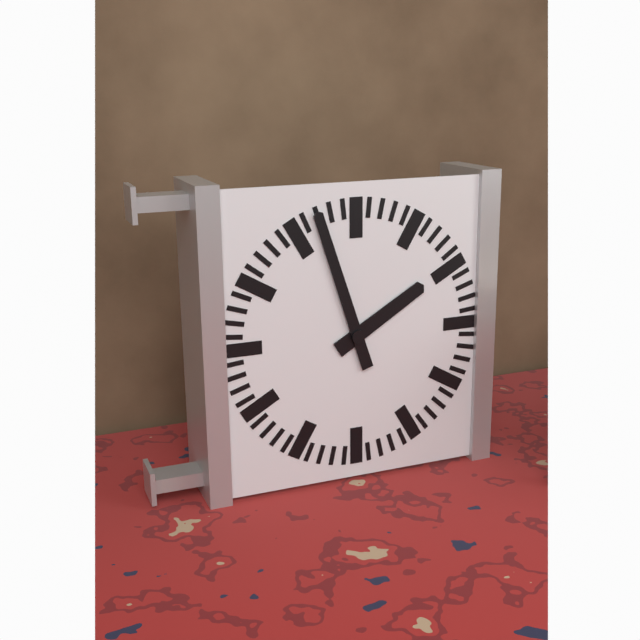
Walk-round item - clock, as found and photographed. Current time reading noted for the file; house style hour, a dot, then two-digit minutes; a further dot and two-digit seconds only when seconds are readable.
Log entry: 1.57
